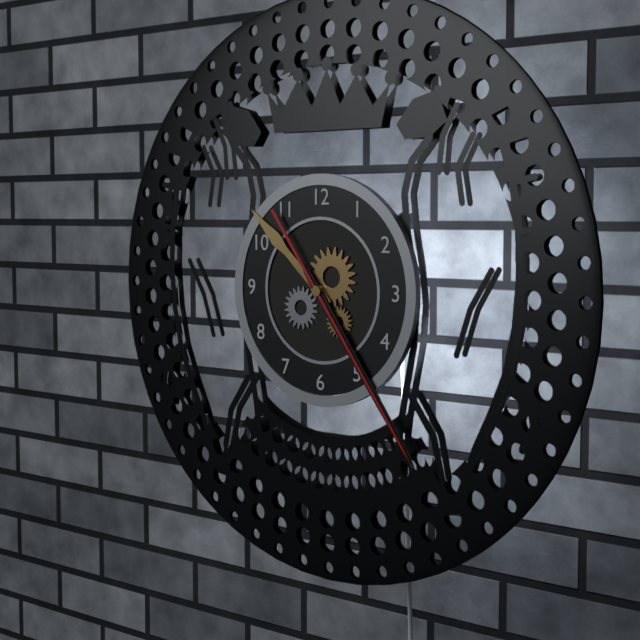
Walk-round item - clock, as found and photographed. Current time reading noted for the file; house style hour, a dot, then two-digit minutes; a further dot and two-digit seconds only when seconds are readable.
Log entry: 10.24.24
